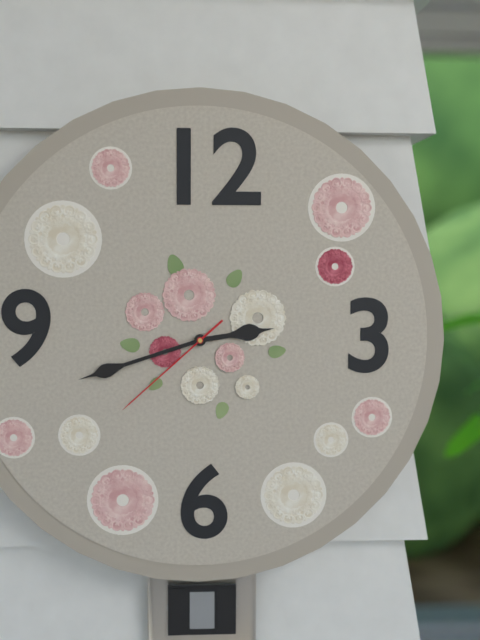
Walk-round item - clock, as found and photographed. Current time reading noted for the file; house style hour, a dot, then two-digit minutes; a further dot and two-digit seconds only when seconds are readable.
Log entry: 2.42.38
